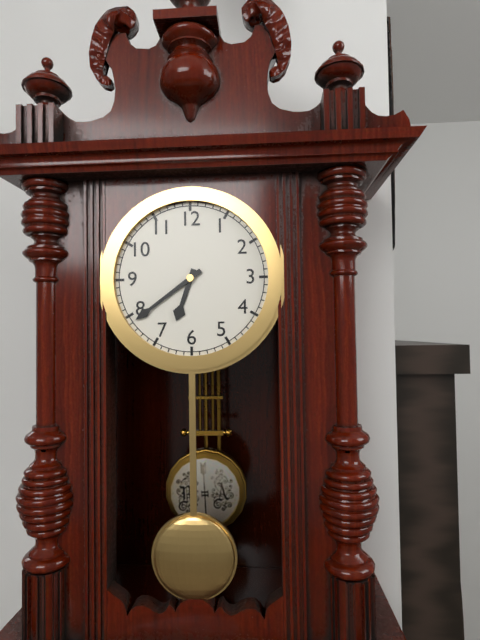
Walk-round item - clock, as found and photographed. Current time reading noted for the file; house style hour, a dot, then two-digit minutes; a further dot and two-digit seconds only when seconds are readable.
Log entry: 6.39
